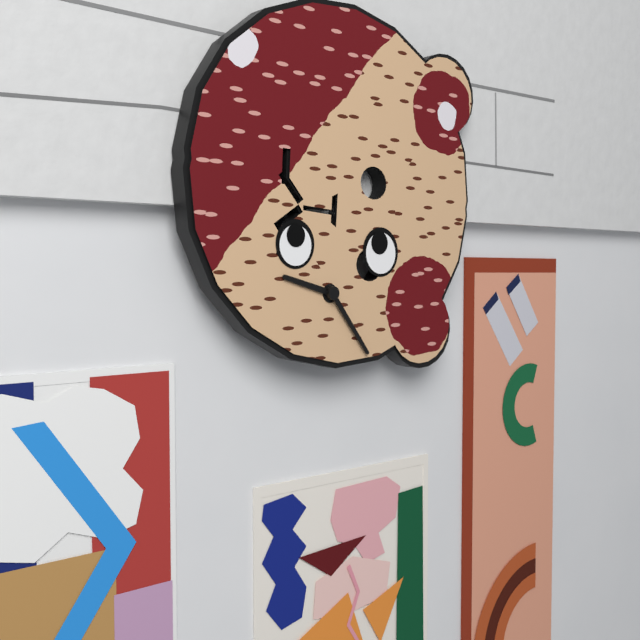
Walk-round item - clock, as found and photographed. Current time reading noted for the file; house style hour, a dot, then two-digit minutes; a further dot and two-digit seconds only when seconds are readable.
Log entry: 9.23
